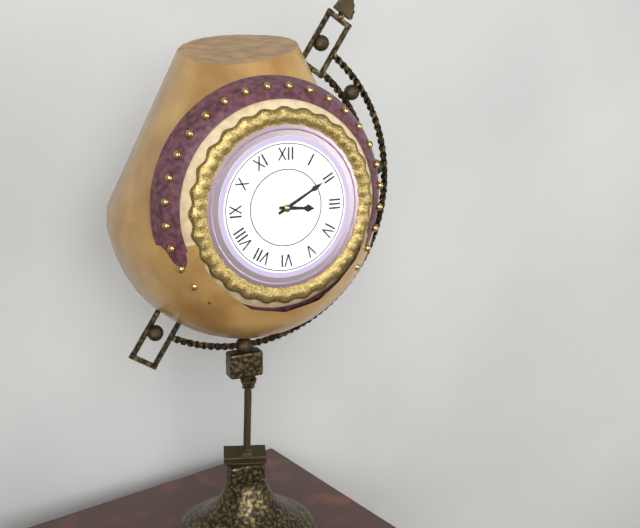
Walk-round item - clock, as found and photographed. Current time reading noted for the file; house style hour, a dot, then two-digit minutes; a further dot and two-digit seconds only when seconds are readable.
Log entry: 3.10
